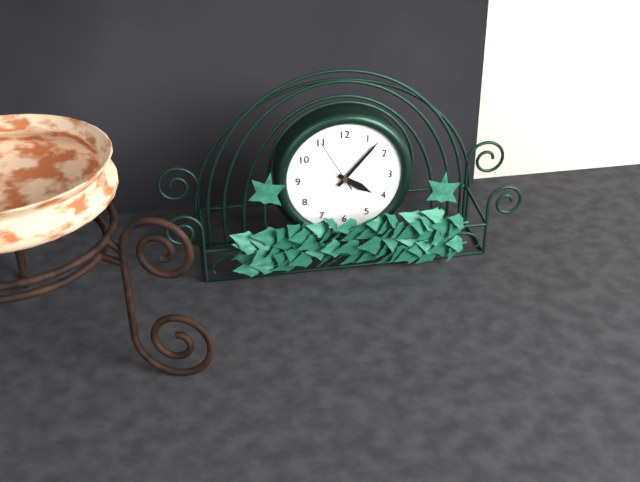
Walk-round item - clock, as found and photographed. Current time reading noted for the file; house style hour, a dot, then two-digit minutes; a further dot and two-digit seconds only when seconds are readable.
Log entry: 4.07.55
